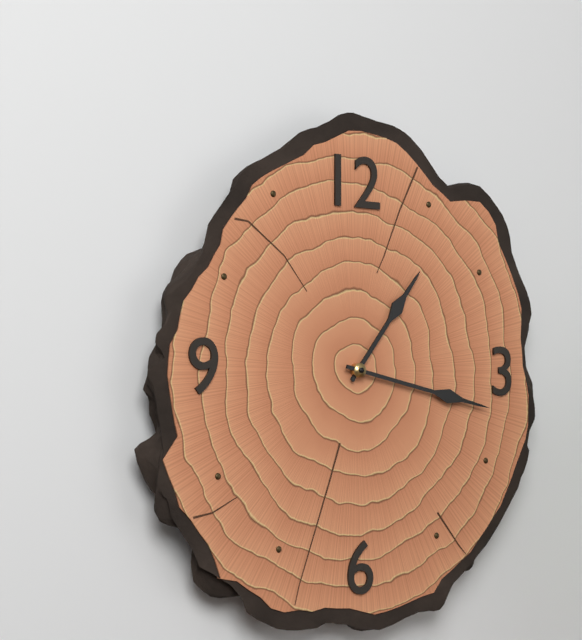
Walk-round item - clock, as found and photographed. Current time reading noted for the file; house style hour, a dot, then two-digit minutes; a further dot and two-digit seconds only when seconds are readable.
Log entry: 1.17
